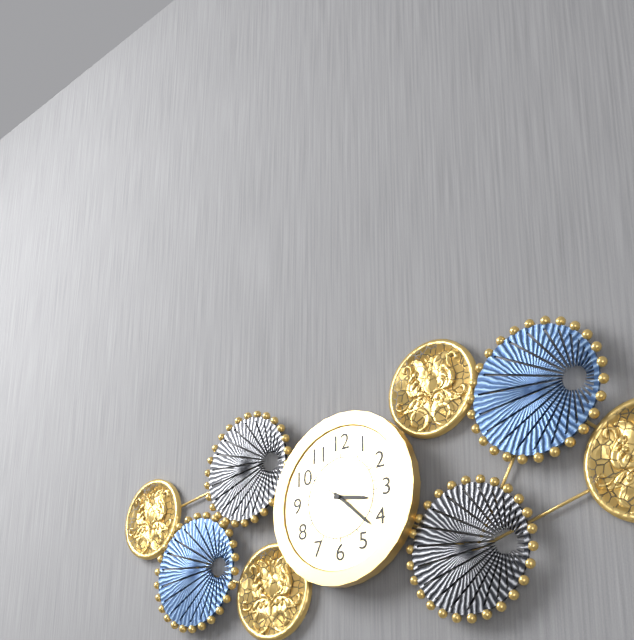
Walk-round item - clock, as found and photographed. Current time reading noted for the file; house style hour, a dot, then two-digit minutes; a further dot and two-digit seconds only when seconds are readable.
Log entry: 3.22.51
